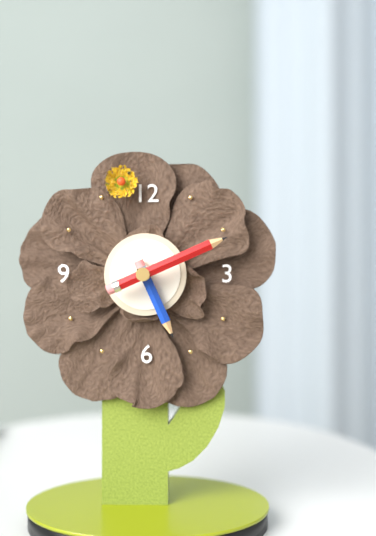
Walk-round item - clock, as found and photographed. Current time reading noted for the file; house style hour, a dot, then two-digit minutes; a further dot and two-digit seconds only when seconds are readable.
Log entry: 5.11
